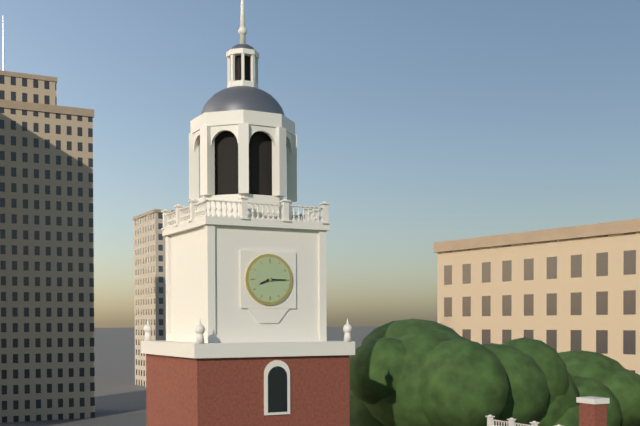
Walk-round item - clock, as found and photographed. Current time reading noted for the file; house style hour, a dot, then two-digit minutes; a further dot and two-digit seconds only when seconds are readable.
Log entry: 8.15
